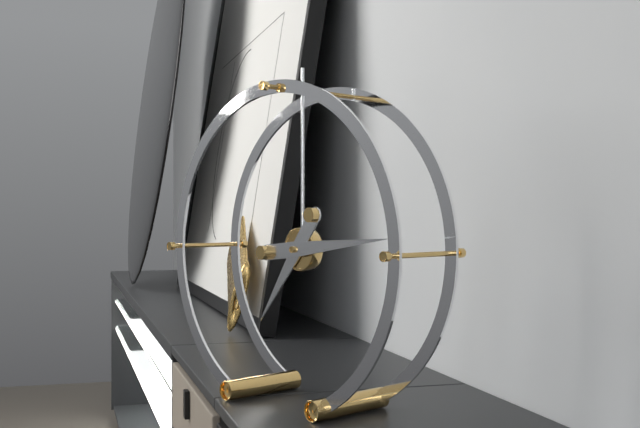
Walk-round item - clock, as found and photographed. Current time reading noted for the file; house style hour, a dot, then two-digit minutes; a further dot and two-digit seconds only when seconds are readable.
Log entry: 7.14
